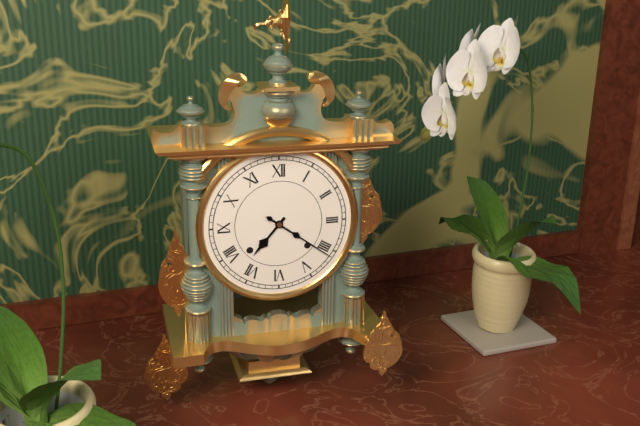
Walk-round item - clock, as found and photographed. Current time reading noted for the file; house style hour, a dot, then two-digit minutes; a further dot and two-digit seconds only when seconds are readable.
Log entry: 7.21
